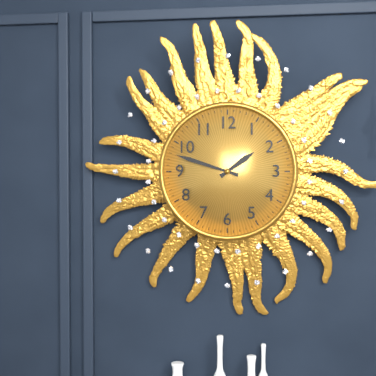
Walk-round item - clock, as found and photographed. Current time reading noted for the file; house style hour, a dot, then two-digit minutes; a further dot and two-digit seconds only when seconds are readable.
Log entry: 1.48
